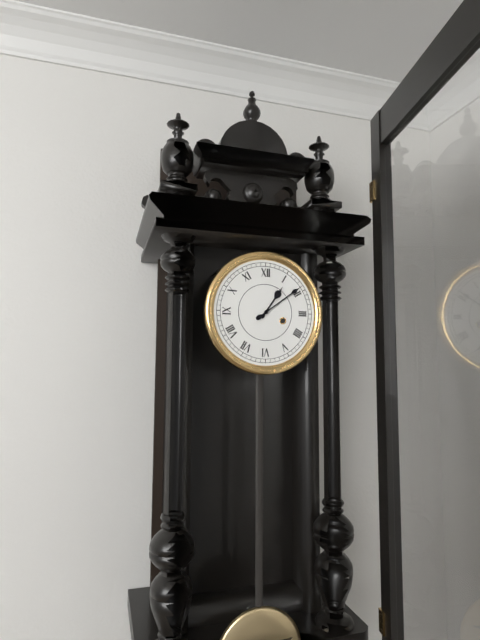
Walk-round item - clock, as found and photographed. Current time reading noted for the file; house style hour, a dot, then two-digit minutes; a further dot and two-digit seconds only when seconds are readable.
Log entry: 1.09
